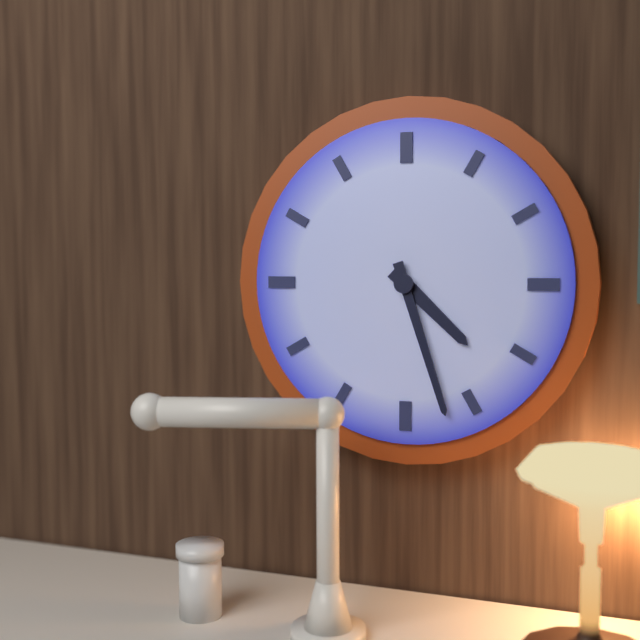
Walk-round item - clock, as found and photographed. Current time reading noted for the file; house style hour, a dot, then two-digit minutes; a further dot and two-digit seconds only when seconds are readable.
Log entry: 4.27
